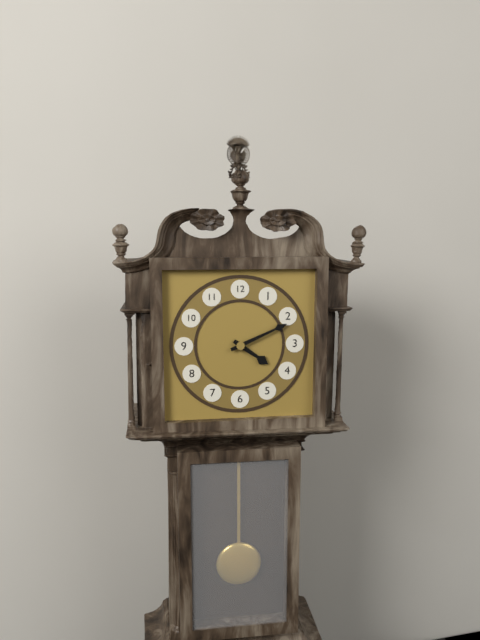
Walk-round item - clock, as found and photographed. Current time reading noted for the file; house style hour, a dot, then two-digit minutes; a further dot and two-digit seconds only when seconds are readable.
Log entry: 4.11
